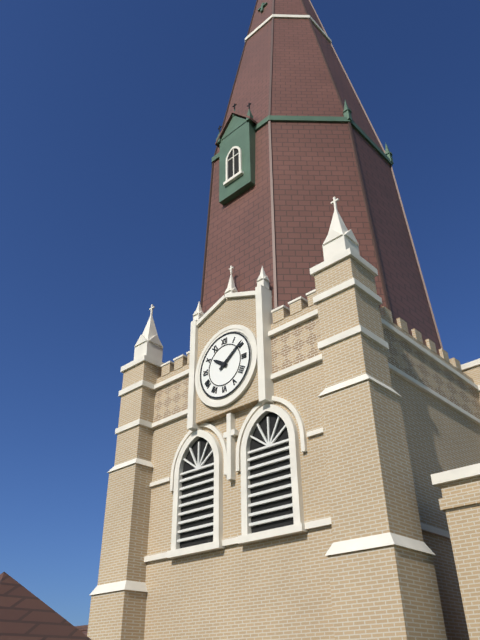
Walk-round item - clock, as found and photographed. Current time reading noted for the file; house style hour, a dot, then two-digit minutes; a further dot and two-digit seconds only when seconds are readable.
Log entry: 10.09
